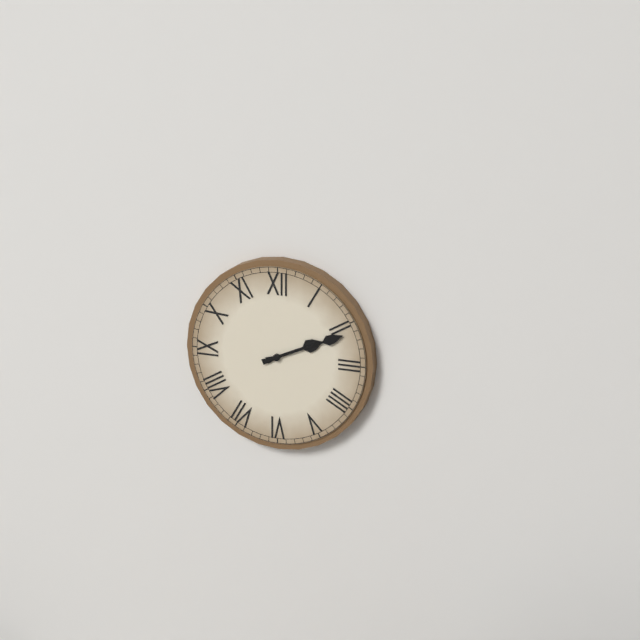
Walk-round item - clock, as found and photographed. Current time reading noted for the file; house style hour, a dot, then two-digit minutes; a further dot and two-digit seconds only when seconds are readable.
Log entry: 2.11
